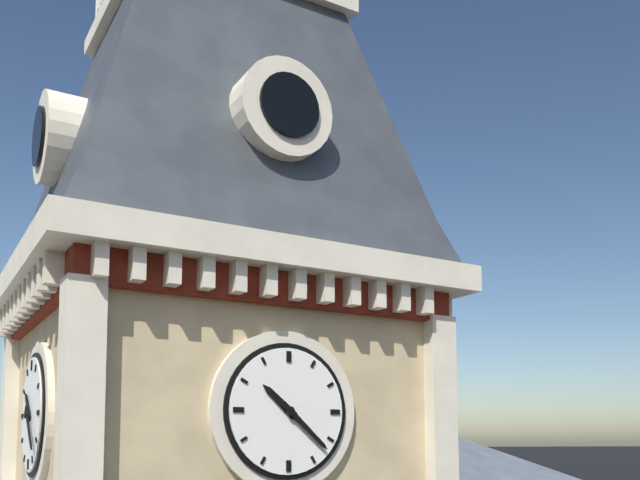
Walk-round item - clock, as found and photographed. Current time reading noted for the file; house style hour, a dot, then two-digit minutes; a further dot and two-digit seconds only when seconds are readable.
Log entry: 10.22
